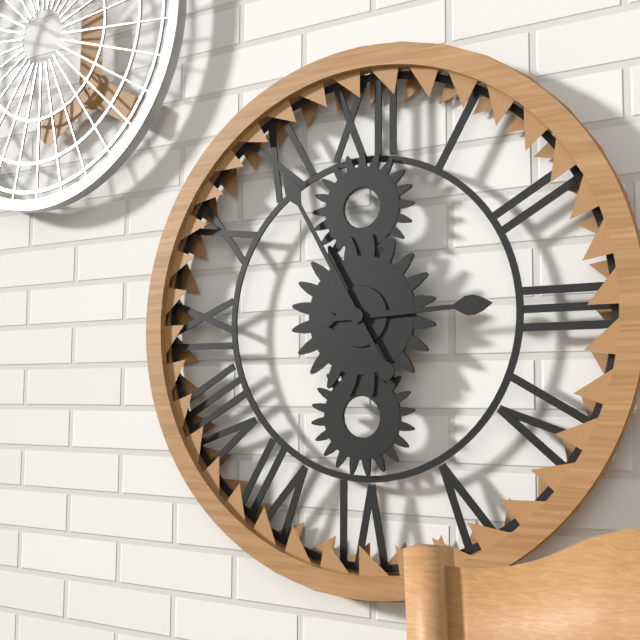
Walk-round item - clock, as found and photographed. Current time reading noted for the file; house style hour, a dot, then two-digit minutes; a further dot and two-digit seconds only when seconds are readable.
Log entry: 2.55
